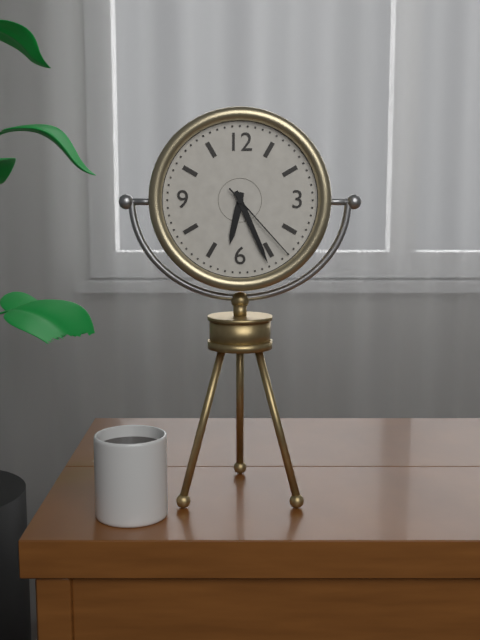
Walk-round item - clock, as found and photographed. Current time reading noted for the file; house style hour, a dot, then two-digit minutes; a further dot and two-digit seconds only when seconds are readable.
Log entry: 6.26.23
